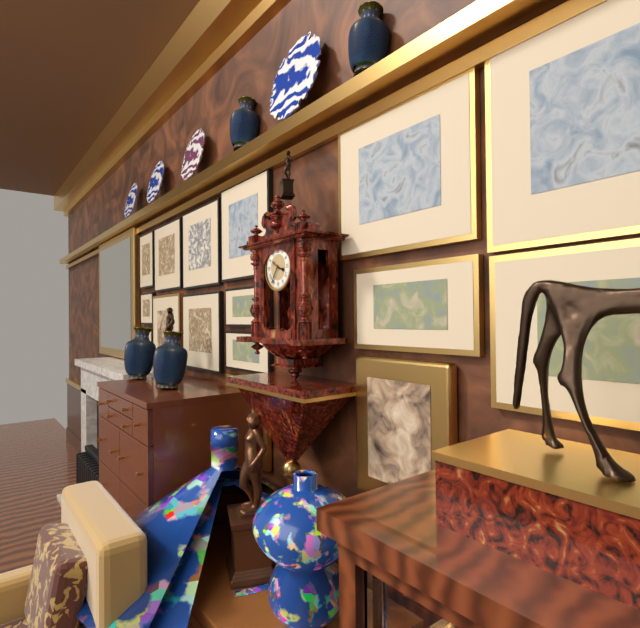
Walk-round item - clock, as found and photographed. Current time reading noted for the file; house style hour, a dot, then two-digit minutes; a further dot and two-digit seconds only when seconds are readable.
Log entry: 3.36
